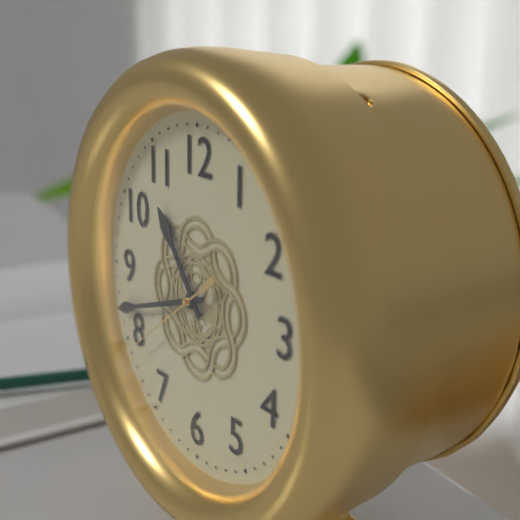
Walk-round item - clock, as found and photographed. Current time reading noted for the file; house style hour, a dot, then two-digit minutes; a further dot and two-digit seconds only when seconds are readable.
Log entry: 10.42.39
